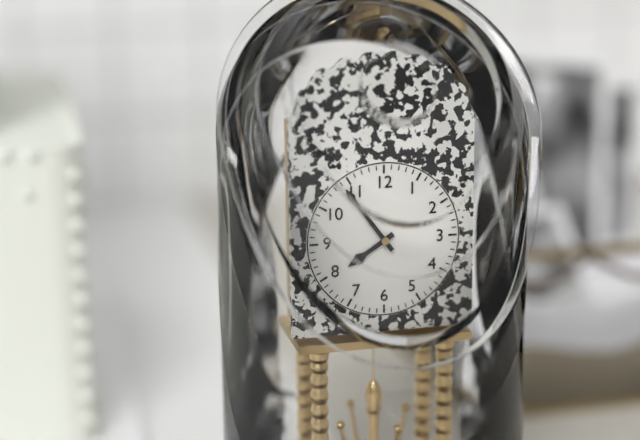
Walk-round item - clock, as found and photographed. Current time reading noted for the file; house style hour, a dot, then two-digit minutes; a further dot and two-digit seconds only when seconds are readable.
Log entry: 7.54
